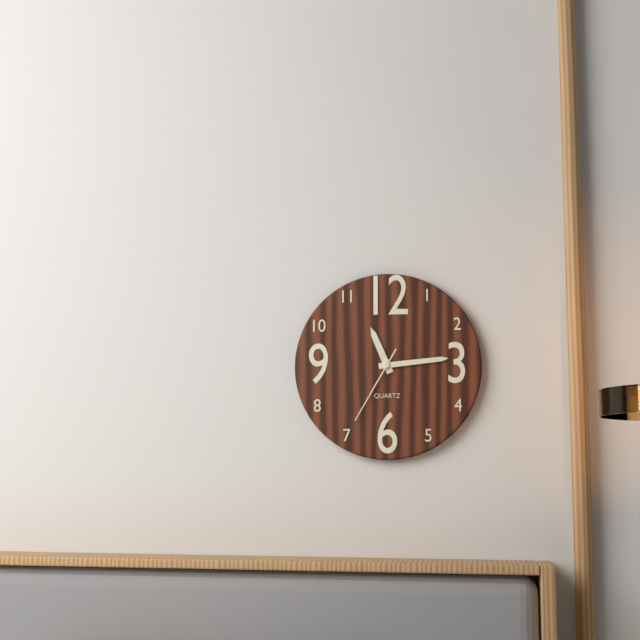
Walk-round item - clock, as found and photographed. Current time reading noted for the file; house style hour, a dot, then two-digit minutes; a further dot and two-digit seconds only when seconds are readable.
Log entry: 11.14.35
